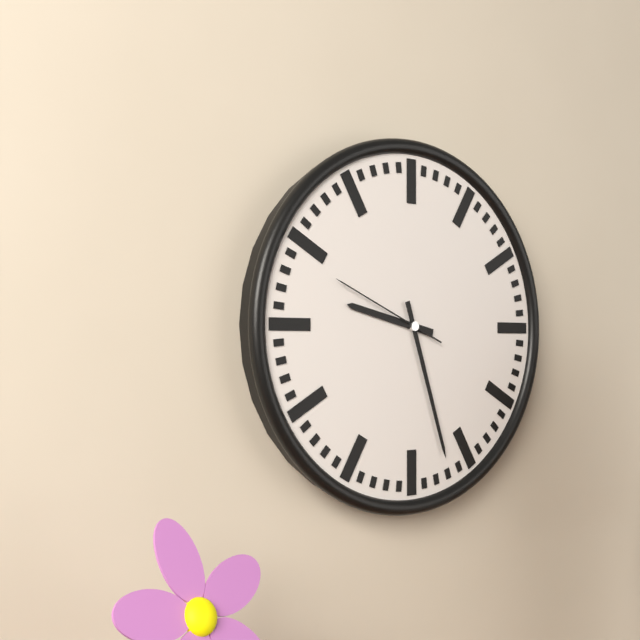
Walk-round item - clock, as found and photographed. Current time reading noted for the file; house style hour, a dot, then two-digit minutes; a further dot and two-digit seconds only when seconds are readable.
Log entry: 9.27.49
